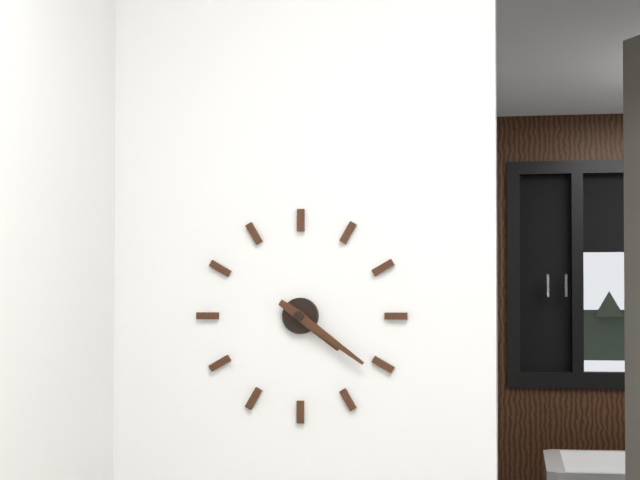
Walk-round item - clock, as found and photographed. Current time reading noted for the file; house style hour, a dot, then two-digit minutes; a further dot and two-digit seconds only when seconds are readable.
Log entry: 4.21
